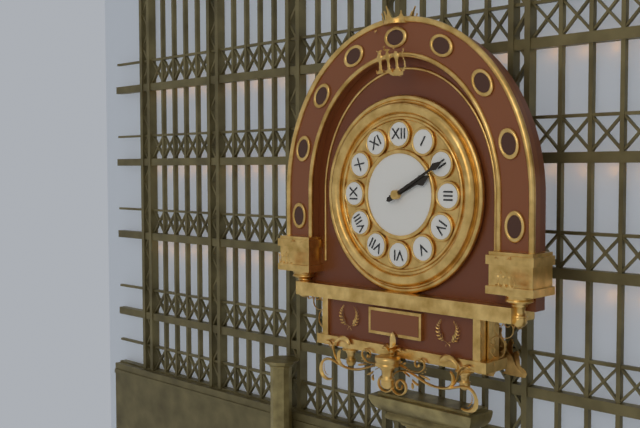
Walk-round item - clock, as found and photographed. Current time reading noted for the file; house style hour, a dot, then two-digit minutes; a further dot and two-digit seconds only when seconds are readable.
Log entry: 2.10
